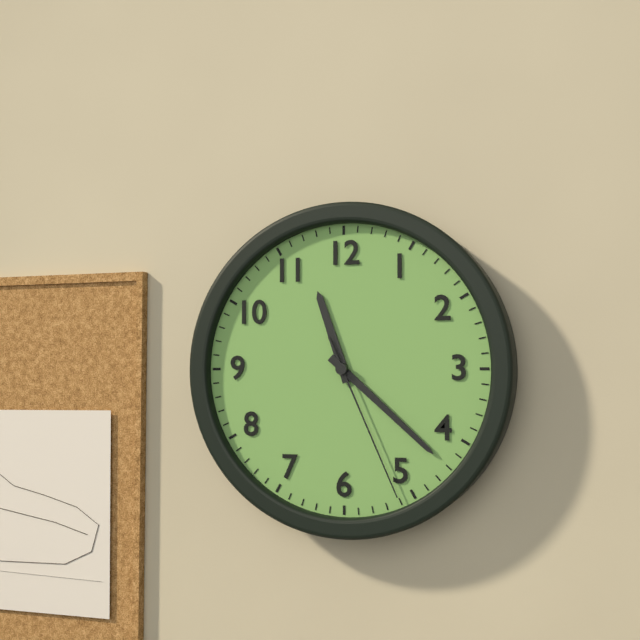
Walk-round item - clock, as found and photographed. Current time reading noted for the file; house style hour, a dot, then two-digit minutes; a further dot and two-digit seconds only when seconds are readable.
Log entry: 11.22.26
